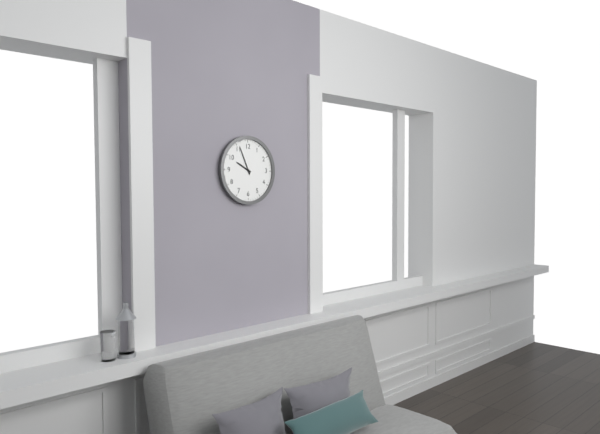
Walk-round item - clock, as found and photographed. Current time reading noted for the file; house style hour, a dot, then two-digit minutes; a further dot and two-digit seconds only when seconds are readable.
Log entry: 9.56
